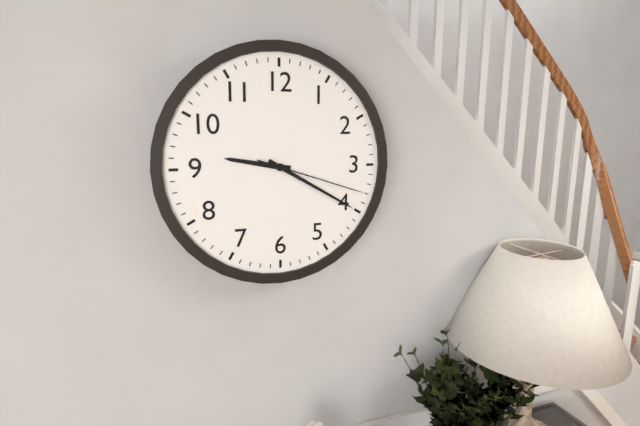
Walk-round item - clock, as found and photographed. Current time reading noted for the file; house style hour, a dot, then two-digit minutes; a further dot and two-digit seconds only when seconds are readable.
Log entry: 9.20.18
